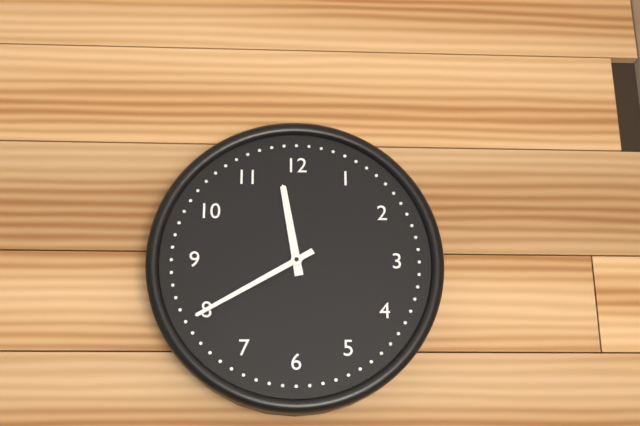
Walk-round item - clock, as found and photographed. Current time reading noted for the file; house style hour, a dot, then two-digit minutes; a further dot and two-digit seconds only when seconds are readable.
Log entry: 11.40
